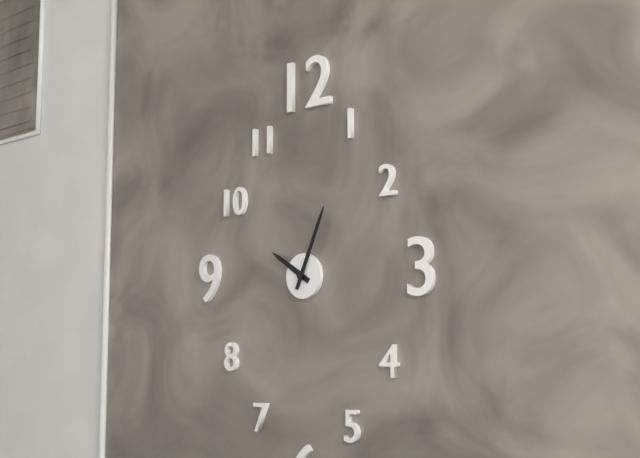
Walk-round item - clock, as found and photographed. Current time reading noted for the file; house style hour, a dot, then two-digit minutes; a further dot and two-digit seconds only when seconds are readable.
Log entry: 10.04
